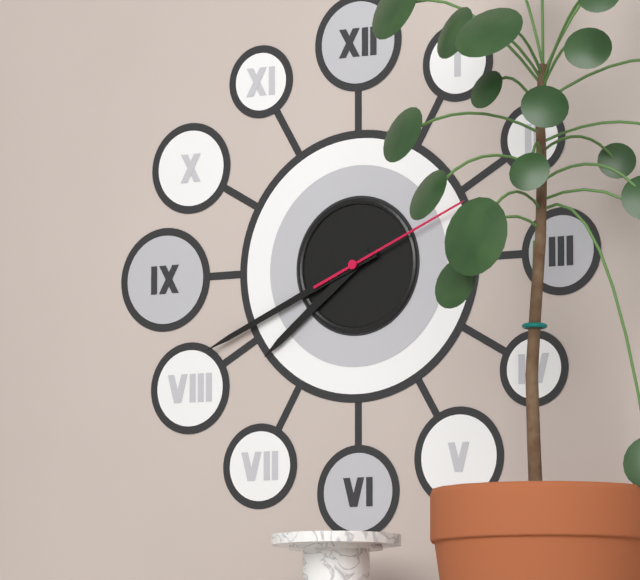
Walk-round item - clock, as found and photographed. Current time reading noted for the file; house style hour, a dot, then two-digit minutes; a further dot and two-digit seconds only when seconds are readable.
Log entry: 7.41.11
